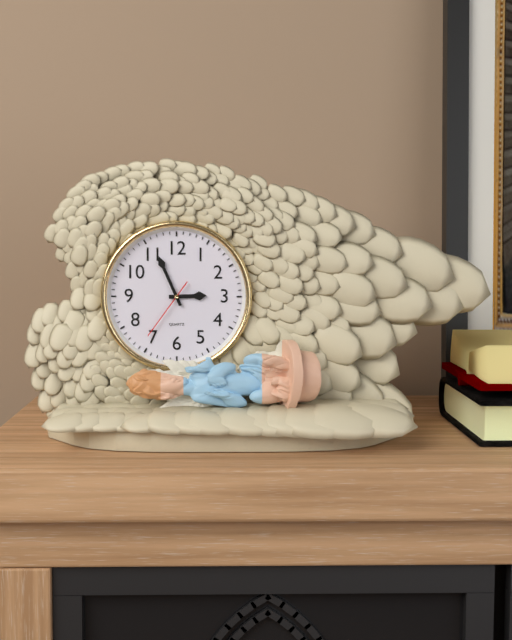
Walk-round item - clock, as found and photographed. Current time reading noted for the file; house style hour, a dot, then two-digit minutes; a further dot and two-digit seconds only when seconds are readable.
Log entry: 2.56.36
